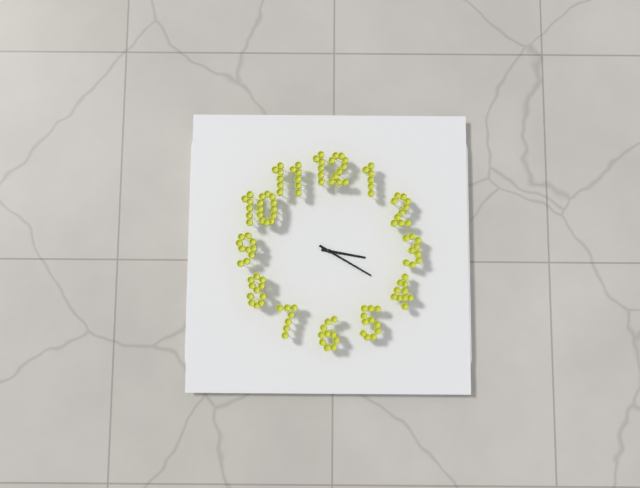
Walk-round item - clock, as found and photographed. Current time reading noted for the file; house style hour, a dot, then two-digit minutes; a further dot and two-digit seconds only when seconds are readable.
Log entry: 3.20
